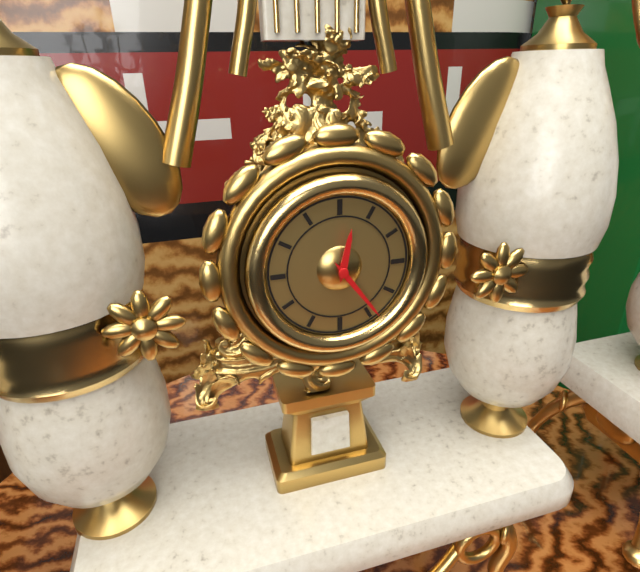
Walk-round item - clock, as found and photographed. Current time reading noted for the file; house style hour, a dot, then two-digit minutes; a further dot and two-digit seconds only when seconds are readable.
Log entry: 12.24
